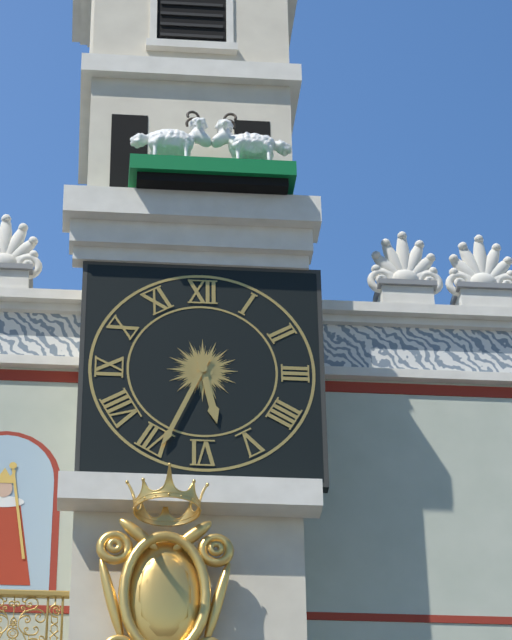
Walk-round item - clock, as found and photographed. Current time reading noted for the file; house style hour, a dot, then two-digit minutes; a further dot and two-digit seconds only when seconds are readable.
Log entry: 5.34
